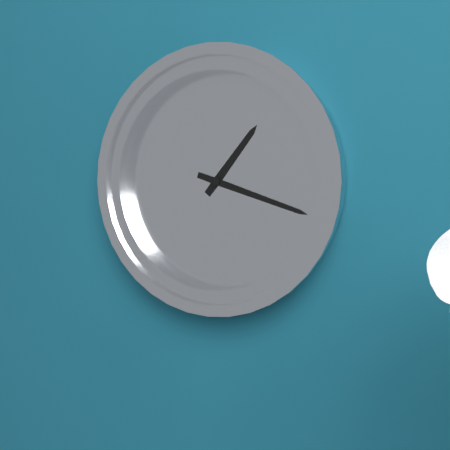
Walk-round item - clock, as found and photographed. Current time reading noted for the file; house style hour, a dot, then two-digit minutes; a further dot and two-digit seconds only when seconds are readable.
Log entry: 1.18
